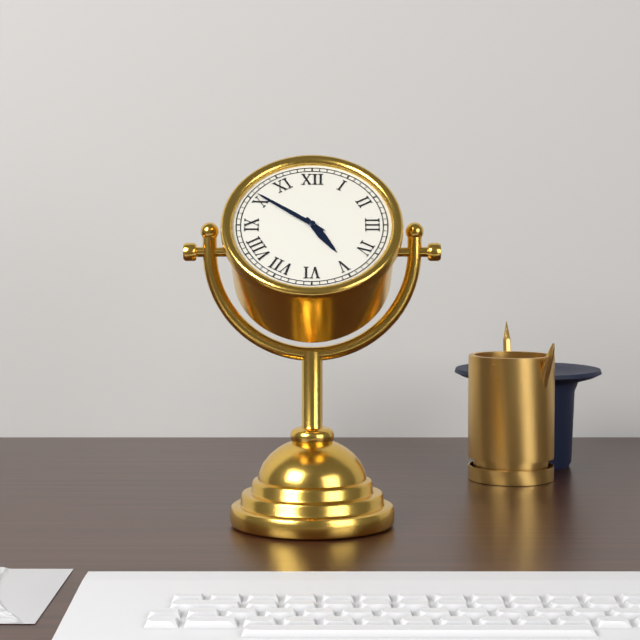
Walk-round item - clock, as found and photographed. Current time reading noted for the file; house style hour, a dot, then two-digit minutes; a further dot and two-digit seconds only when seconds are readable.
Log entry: 4.51
